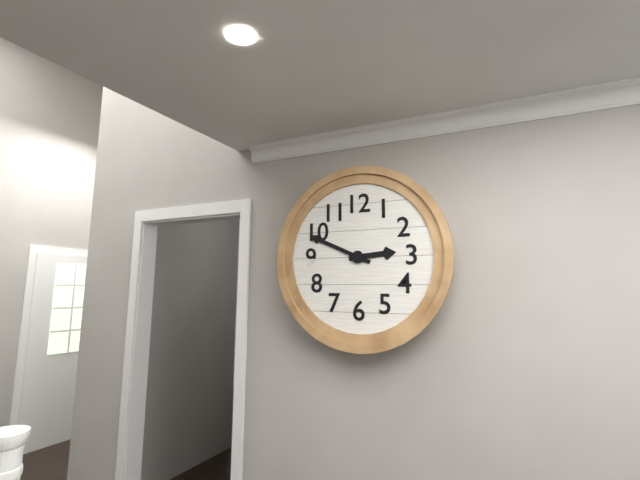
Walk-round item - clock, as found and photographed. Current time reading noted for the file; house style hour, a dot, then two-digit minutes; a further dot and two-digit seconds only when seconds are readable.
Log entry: 2.49
